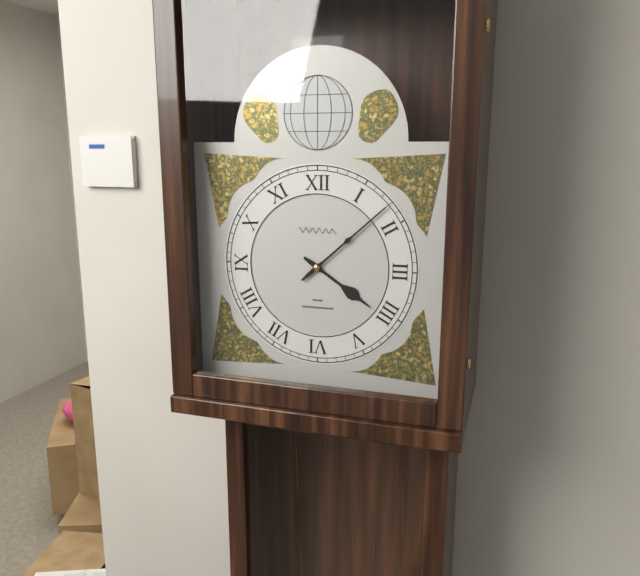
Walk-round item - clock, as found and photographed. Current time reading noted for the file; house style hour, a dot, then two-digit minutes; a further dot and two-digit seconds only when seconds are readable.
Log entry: 4.08
